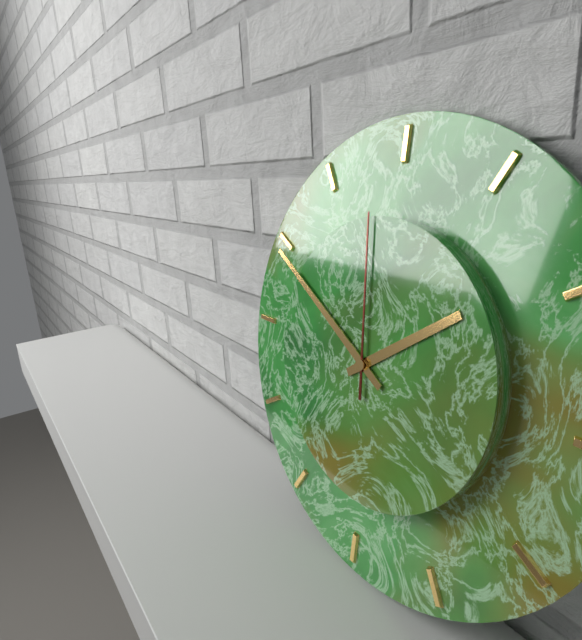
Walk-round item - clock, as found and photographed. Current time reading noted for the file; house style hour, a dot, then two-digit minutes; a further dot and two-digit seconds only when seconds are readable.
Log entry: 1.50.59
